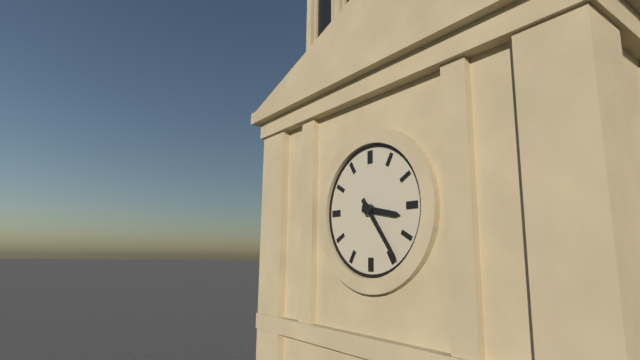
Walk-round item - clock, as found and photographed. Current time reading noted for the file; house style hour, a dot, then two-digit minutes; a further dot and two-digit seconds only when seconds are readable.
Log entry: 3.24
